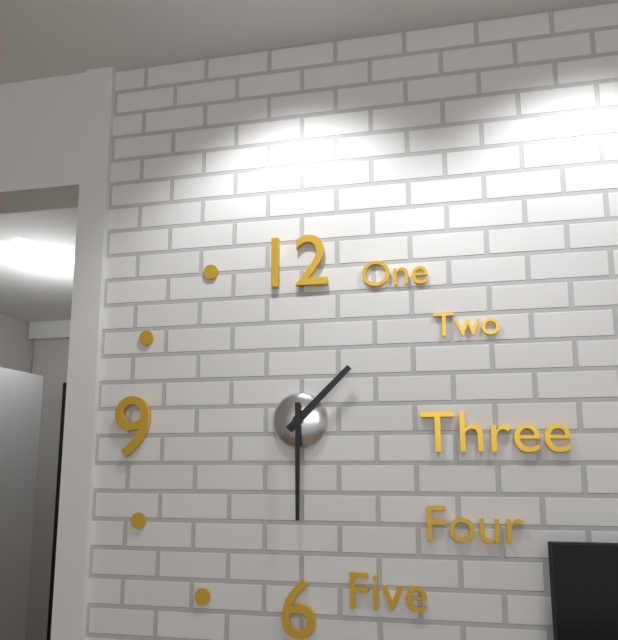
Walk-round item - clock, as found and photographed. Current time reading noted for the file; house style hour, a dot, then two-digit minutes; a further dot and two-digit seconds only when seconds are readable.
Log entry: 1.30
